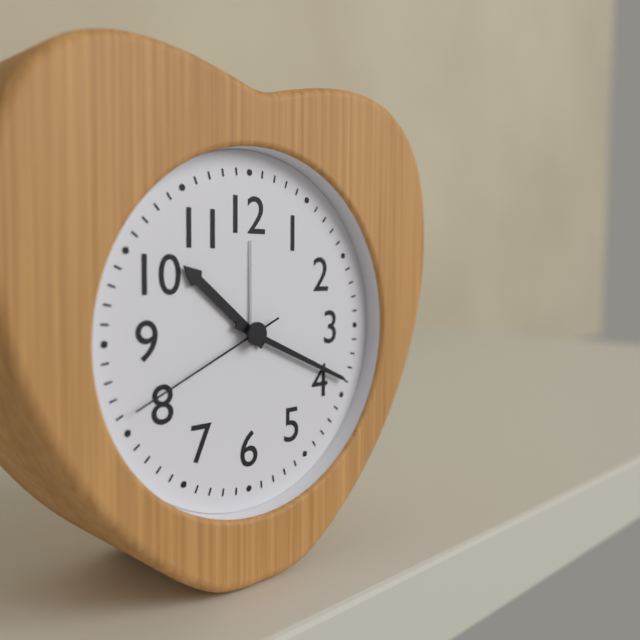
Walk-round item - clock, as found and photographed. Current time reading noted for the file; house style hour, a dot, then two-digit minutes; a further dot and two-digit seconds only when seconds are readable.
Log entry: 10.19.41
